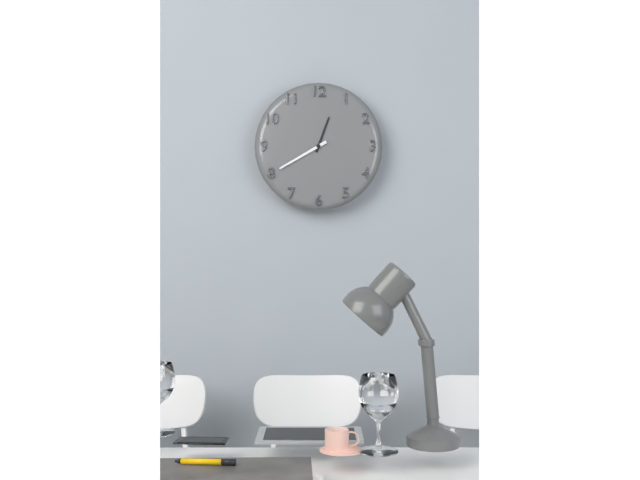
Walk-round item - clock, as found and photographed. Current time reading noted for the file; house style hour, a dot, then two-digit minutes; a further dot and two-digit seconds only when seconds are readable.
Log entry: 12.40
